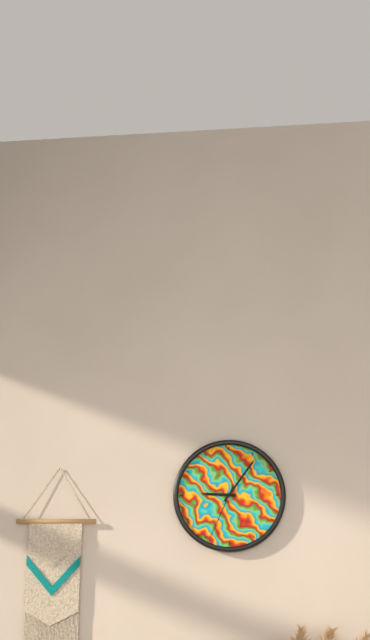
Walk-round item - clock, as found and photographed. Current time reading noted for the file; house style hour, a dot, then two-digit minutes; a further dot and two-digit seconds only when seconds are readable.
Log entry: 9.06.34
